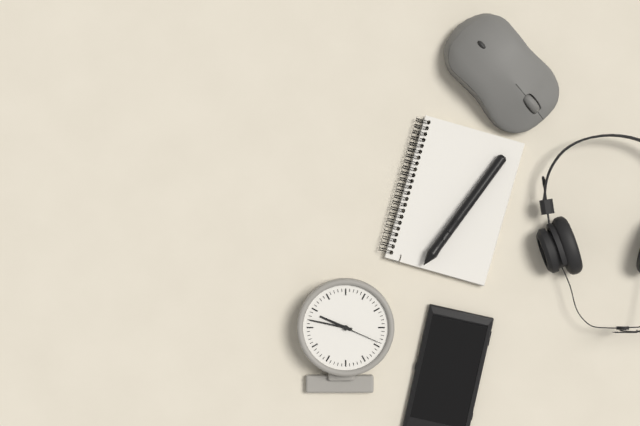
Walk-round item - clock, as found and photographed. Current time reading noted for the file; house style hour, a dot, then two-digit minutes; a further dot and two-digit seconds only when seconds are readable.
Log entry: 9.47
